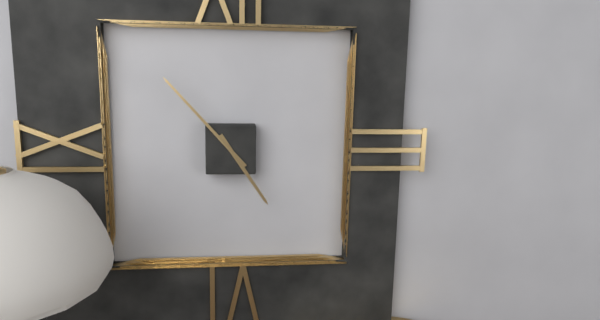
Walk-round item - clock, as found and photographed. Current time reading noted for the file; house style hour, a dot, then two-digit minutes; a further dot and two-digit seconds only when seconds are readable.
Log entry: 4.53
